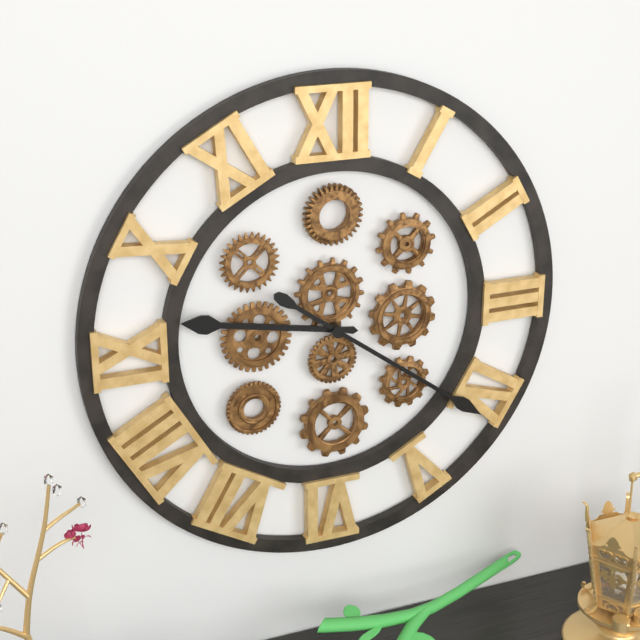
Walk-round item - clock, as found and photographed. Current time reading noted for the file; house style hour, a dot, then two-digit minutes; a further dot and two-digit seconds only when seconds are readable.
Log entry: 9.21
